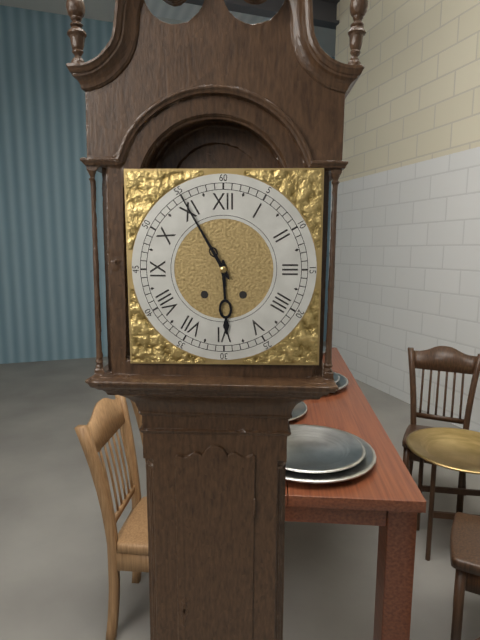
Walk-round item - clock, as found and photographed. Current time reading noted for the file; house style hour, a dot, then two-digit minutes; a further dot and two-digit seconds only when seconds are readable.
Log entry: 5.55
